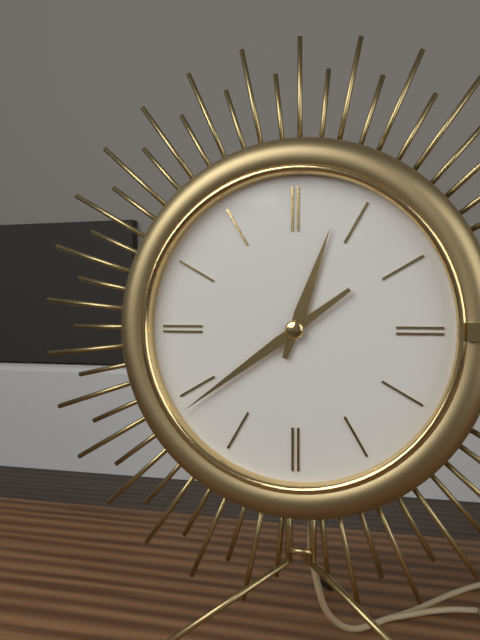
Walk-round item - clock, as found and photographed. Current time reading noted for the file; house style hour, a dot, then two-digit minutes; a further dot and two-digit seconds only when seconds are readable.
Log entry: 12.39
